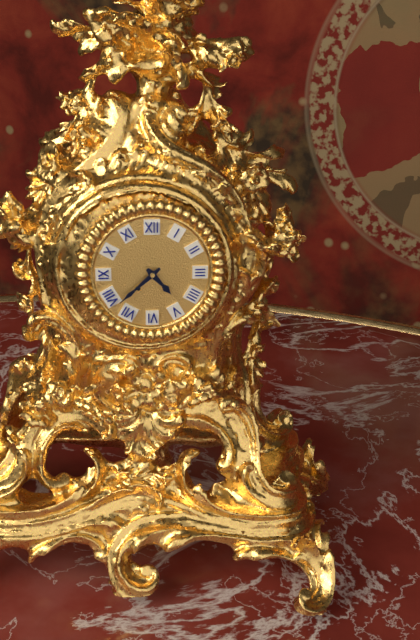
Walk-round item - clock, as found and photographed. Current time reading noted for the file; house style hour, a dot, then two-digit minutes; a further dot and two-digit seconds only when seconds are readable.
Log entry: 4.38
